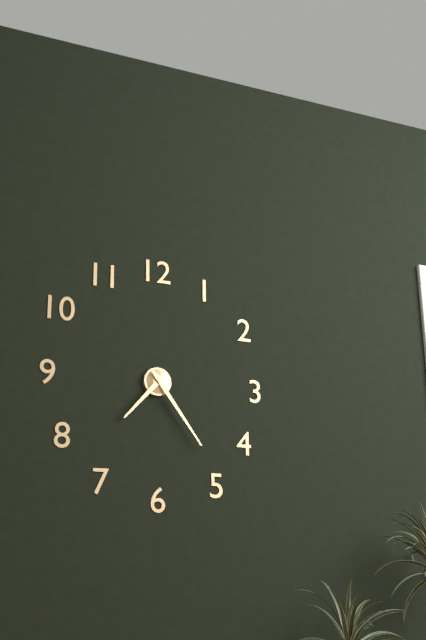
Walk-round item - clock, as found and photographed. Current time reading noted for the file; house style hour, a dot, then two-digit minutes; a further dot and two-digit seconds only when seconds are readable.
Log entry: 7.24
